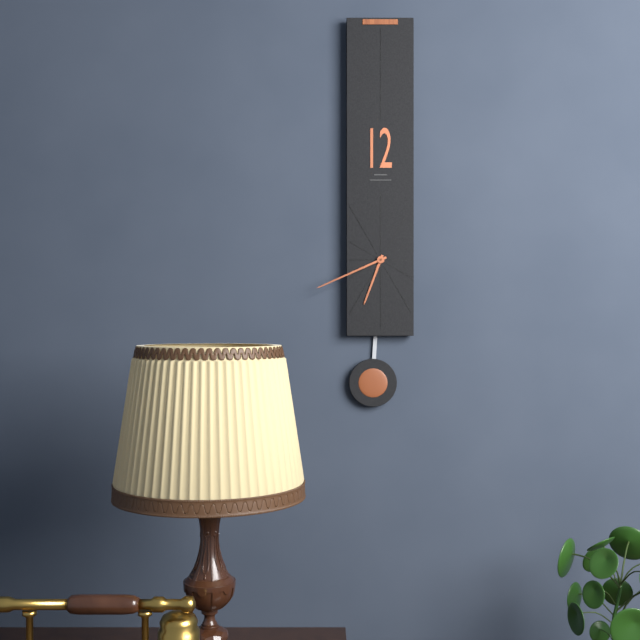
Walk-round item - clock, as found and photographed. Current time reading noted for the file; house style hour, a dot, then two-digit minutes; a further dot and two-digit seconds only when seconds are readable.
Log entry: 6.41
